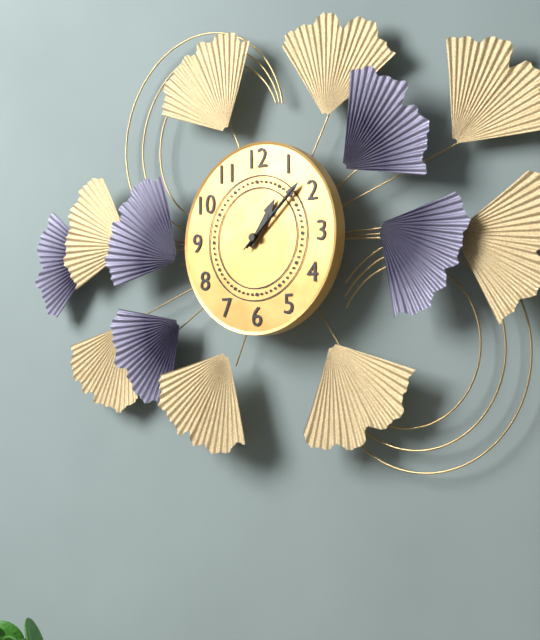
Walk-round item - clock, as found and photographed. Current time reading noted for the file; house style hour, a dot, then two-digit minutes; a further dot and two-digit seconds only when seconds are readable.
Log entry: 1.08.08
